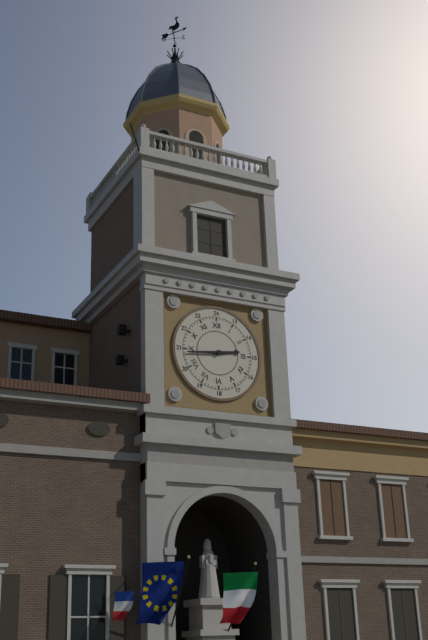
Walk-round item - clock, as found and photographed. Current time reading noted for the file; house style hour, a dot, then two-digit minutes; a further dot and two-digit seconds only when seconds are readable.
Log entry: 2.44
